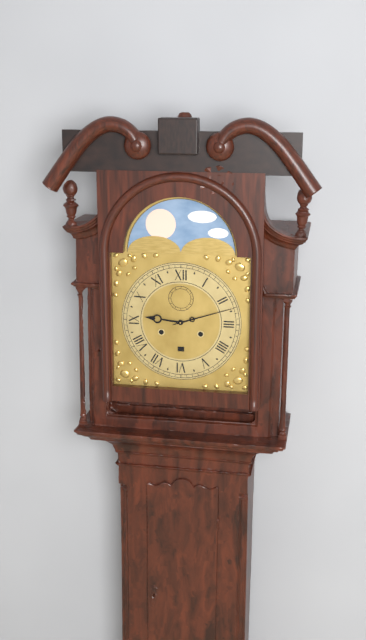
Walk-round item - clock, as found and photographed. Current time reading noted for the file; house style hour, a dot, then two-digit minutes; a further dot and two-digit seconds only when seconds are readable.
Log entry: 9.12
